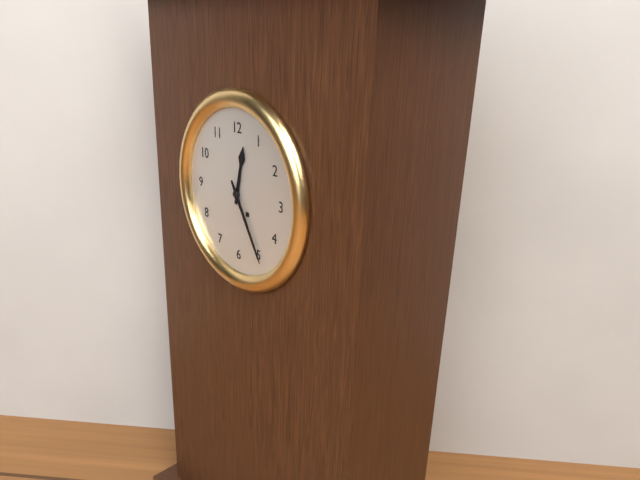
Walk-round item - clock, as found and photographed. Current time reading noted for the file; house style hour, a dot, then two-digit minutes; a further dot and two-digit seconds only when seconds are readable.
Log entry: 12.25
